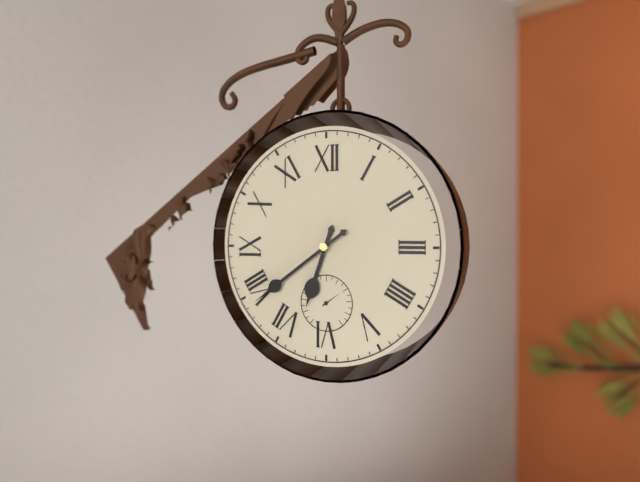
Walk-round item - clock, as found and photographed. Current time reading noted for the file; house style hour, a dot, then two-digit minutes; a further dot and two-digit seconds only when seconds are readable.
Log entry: 6.39
